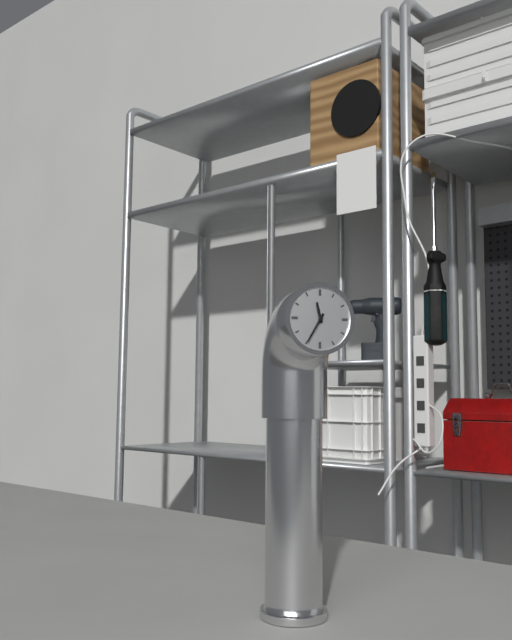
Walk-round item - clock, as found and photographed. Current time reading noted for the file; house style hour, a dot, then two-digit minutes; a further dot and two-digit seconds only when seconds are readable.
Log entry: 11.35
